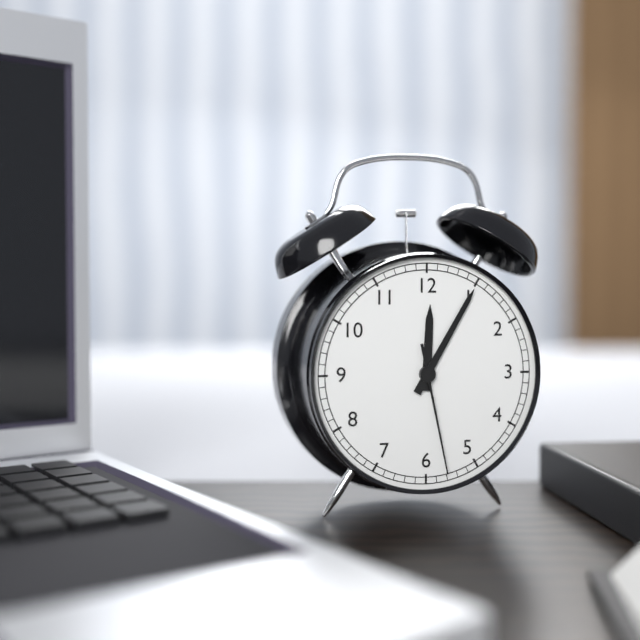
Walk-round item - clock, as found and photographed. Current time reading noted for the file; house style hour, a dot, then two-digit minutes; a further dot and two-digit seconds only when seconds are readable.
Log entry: 12.05.28
